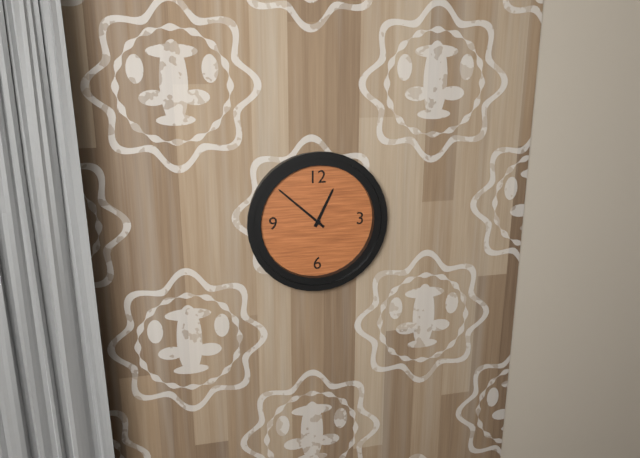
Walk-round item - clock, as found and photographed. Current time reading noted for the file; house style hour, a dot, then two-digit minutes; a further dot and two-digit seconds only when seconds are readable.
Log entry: 12.52
